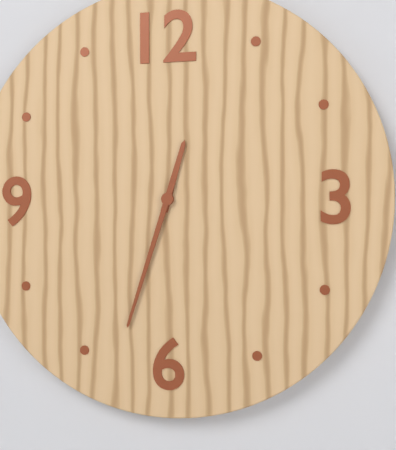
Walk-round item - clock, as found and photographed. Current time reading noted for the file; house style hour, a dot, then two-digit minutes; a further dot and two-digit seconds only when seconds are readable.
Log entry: 12.33
